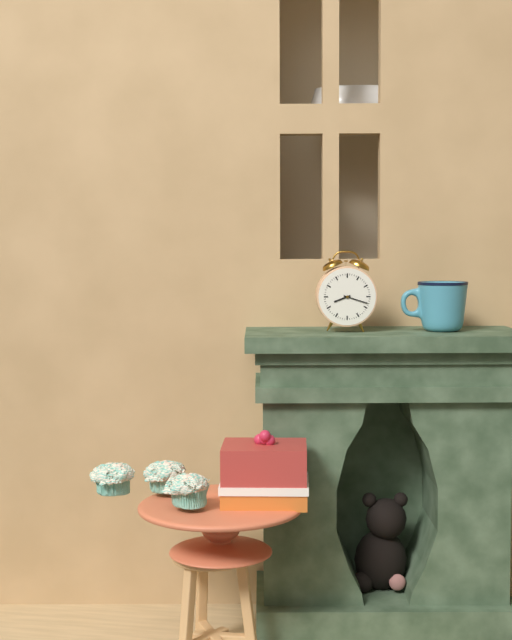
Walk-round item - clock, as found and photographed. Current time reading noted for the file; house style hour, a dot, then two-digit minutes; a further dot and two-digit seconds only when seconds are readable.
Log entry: 8.18
